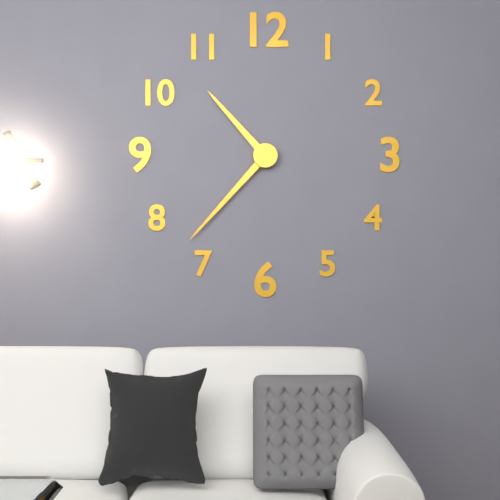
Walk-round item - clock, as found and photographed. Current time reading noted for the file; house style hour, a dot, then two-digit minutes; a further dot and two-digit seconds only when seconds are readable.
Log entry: 10.37
